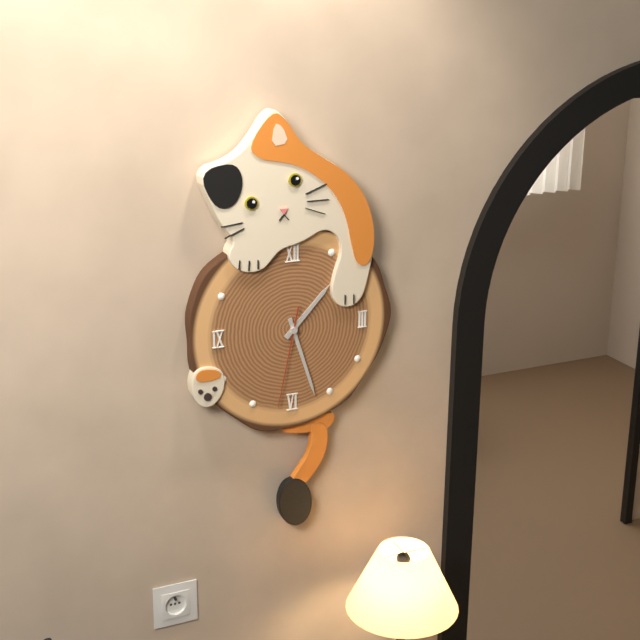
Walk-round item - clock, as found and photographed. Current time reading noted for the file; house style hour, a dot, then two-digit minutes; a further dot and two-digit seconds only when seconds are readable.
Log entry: 1.27.32
